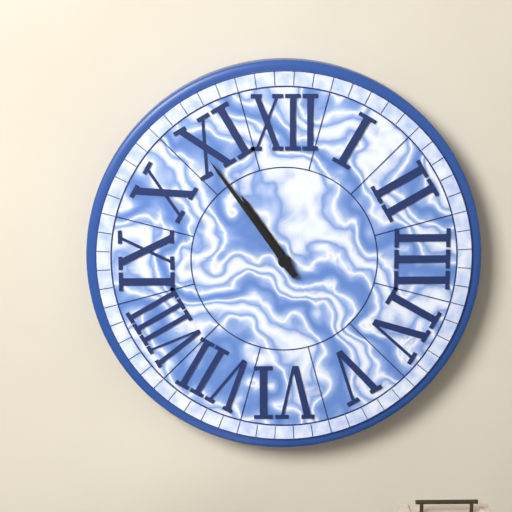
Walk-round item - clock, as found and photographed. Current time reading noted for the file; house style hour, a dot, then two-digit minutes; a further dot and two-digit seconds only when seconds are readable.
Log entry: 10.54
